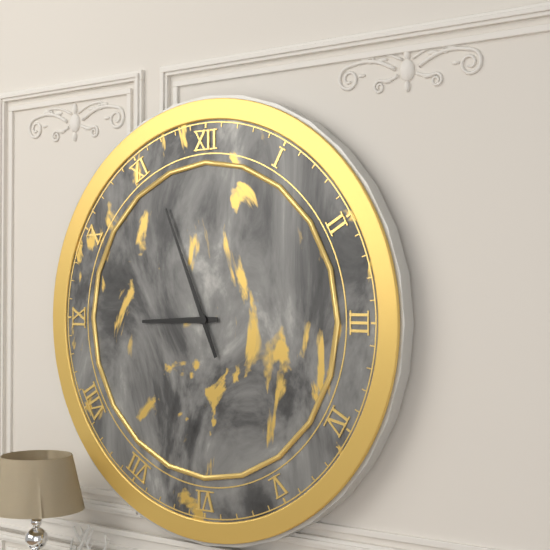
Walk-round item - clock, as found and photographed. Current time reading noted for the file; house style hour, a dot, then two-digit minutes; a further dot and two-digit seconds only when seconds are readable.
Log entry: 8.56
